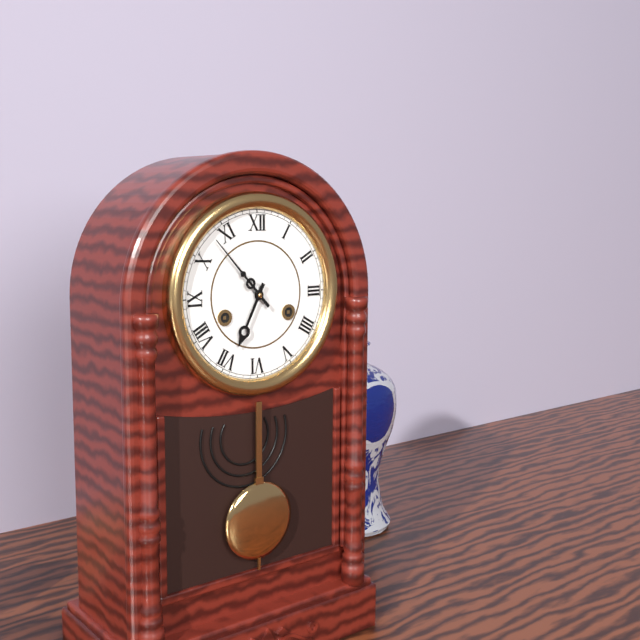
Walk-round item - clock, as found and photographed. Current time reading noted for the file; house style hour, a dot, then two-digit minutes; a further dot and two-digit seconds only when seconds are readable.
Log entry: 6.53
